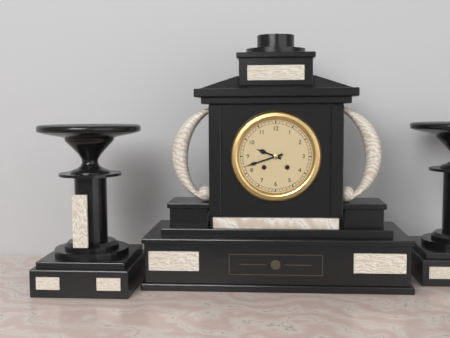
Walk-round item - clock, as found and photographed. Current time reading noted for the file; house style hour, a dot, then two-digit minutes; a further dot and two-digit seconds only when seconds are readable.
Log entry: 9.42
